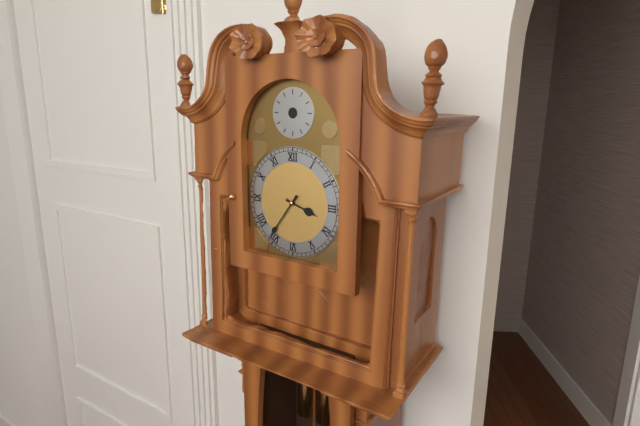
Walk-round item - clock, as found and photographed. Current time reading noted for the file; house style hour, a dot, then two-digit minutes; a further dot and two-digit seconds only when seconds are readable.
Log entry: 3.36
